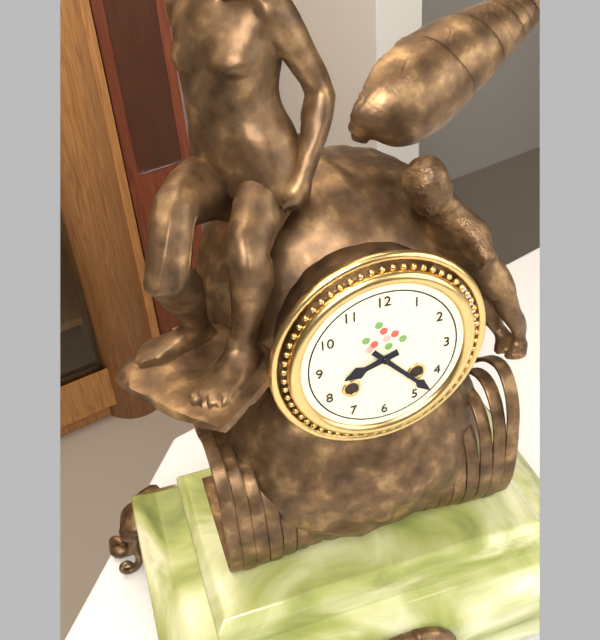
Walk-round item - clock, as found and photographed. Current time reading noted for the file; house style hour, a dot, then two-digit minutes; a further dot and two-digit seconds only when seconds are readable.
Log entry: 8.23
